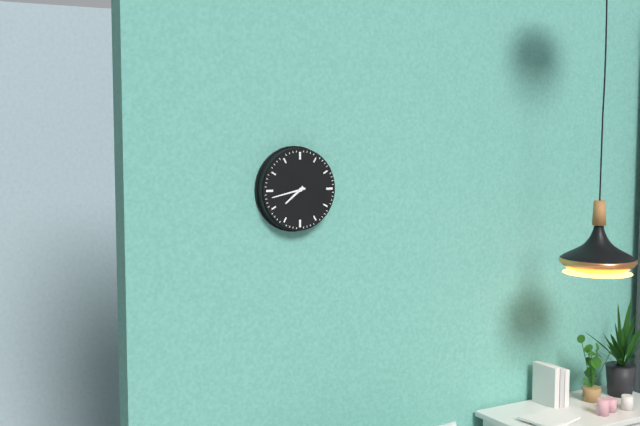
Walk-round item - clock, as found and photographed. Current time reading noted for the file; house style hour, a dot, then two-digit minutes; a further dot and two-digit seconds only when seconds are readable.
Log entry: 7.43
